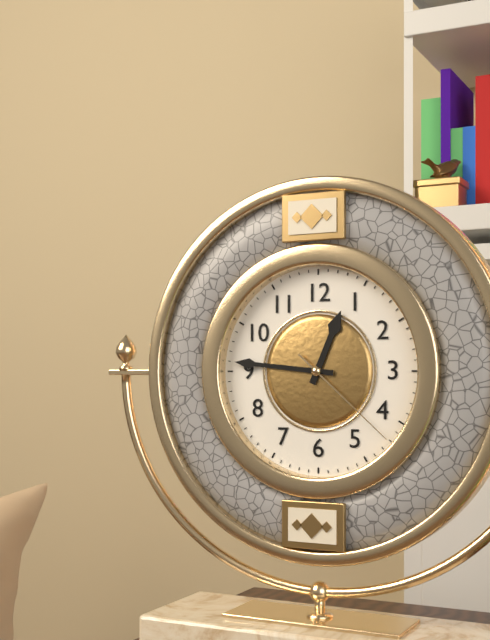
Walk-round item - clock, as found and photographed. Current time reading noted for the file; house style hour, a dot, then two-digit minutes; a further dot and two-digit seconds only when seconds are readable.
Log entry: 12.46.22
